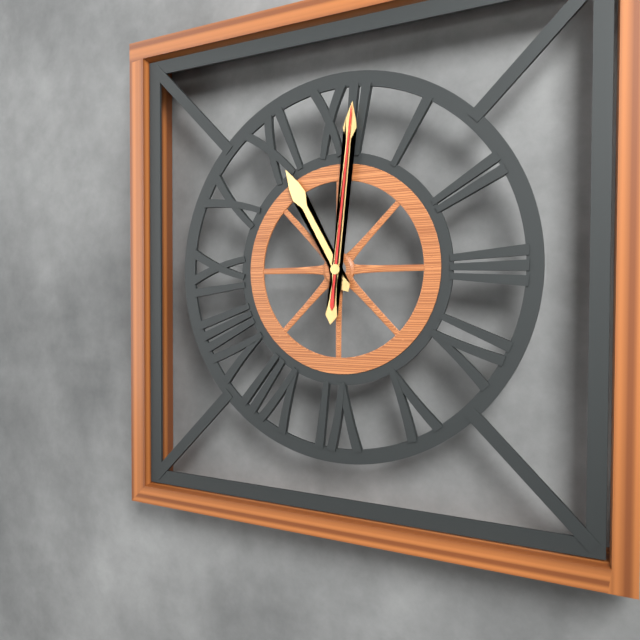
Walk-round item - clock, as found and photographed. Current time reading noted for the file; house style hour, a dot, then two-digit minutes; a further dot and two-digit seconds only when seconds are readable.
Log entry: 11.01.01
